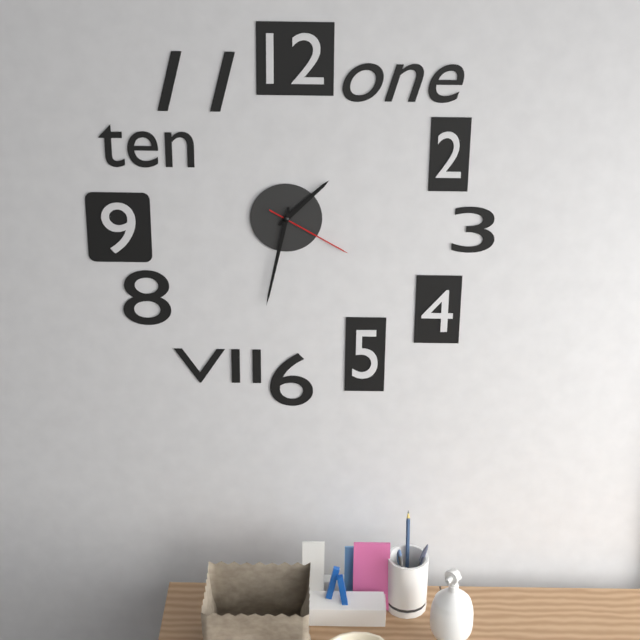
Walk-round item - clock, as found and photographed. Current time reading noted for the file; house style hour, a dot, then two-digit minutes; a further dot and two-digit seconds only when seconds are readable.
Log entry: 1.32.20
